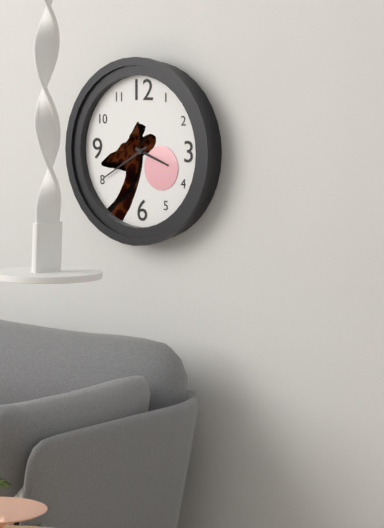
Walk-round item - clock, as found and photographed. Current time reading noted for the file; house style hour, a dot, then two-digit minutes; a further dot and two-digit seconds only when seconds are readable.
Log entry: 3.40
